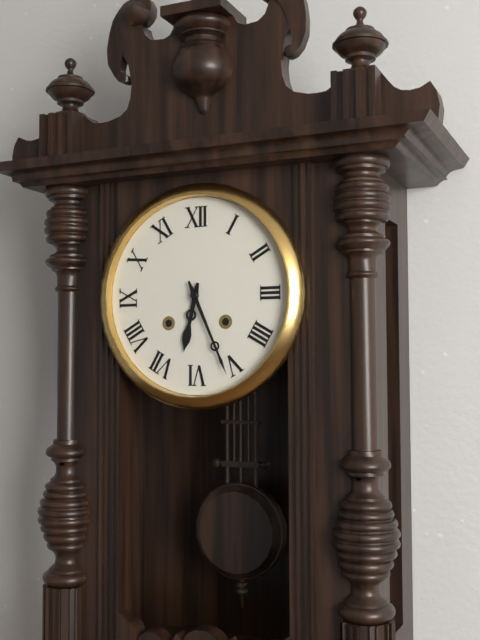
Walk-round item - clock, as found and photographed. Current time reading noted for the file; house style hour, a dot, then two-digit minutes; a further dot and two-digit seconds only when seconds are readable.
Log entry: 6.26
